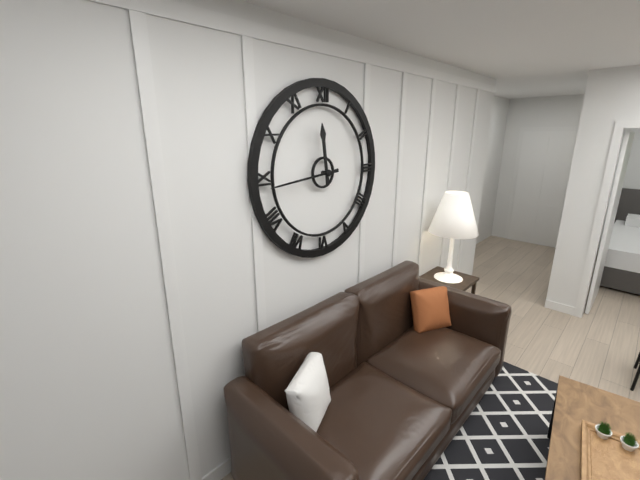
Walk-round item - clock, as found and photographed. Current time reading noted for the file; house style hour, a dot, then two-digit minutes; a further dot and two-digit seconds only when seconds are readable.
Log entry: 11.44
